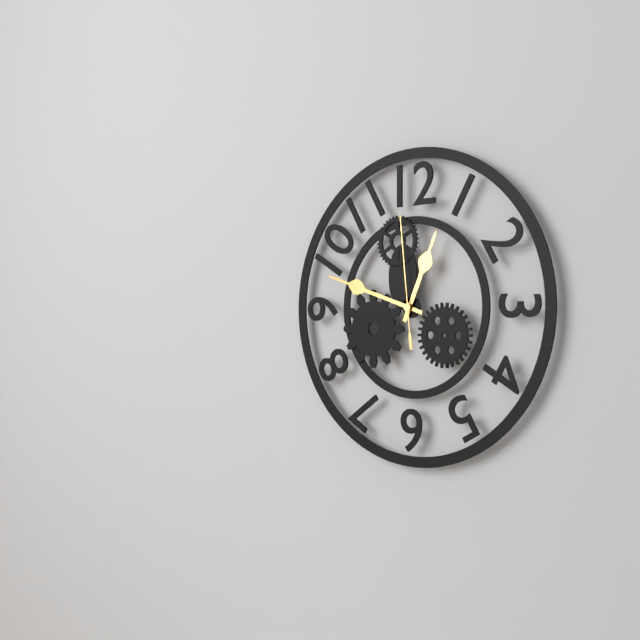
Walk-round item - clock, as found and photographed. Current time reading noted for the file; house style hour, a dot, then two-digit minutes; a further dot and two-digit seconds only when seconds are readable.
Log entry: 12.48.59
